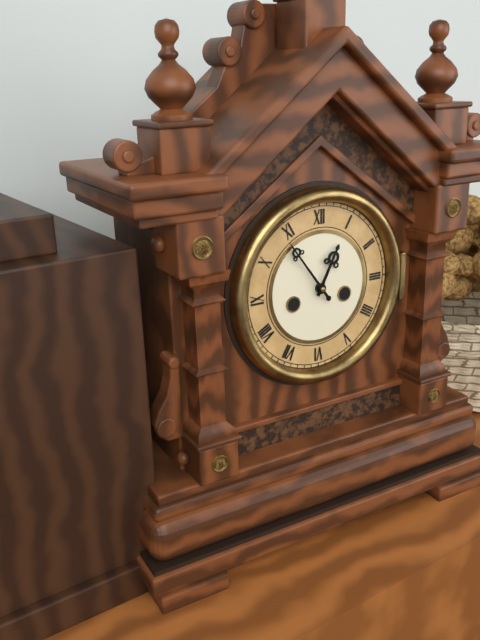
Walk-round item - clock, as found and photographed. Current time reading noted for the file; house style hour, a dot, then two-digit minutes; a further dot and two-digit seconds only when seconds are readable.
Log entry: 12.54
